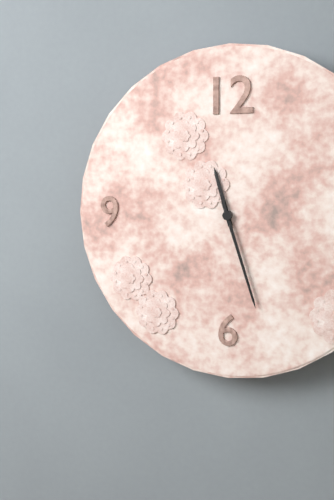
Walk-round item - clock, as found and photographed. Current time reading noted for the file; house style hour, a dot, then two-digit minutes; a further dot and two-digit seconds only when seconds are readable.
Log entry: 11.27
